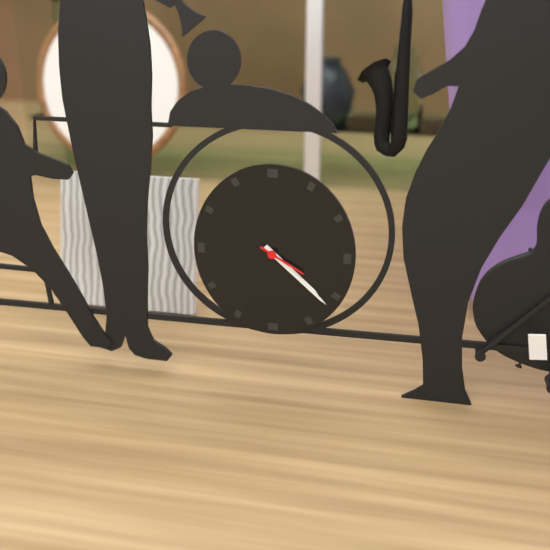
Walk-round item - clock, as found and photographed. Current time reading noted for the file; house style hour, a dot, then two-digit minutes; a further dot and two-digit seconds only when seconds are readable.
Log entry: 4.22
